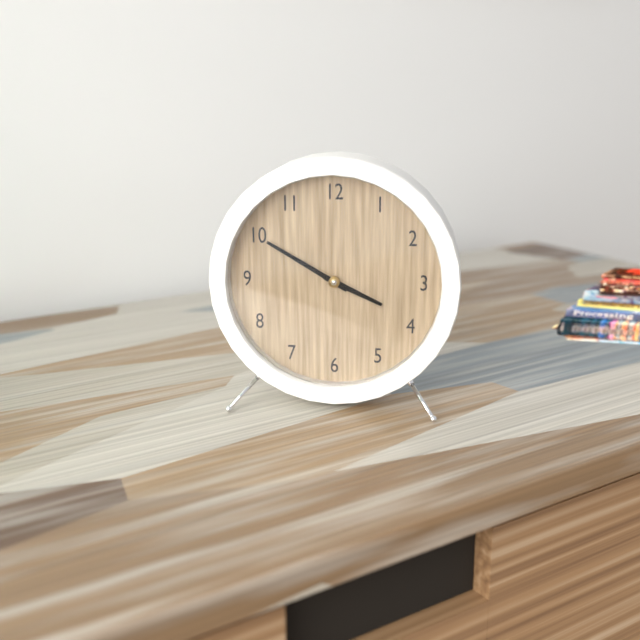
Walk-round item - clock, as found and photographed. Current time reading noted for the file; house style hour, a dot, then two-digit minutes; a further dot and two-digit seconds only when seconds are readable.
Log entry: 3.50
